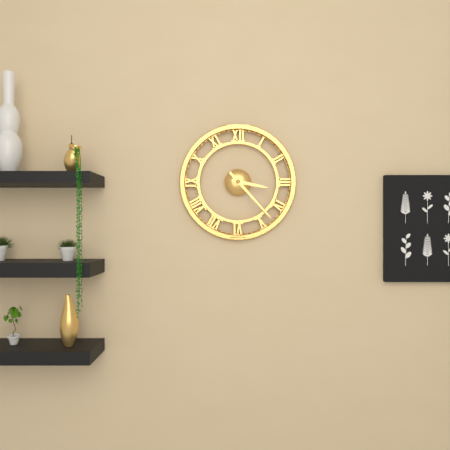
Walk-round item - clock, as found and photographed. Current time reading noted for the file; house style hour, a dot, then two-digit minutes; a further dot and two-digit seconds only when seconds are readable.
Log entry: 3.23
